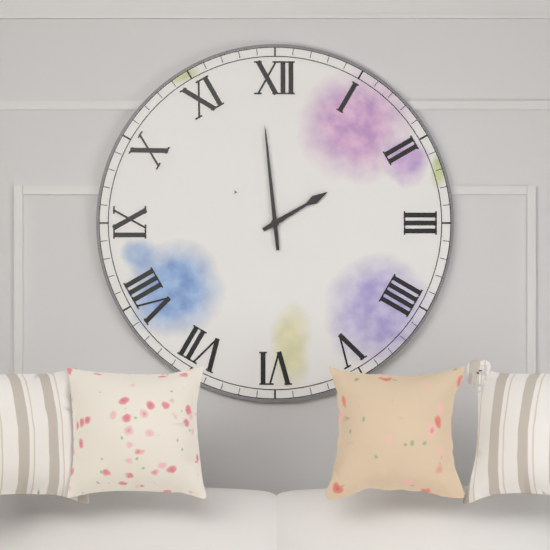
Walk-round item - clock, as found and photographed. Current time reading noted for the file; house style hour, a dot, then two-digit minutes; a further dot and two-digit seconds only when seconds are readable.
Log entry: 1.59
